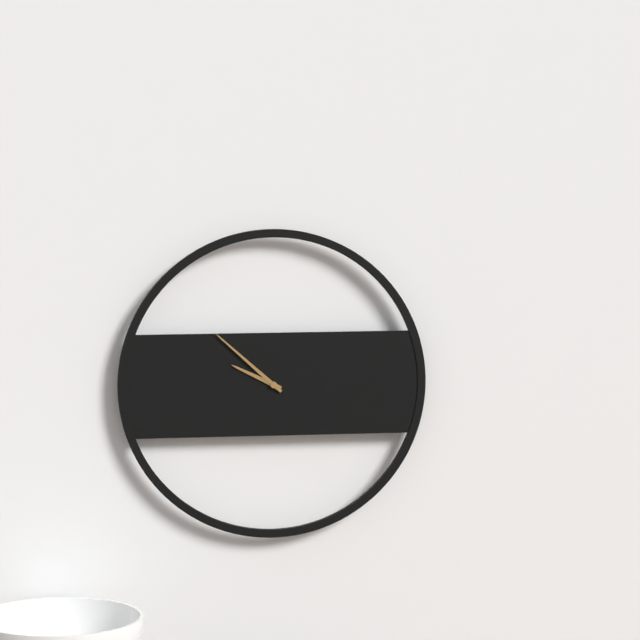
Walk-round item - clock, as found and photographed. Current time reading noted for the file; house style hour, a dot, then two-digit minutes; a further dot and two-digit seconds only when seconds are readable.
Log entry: 9.52
